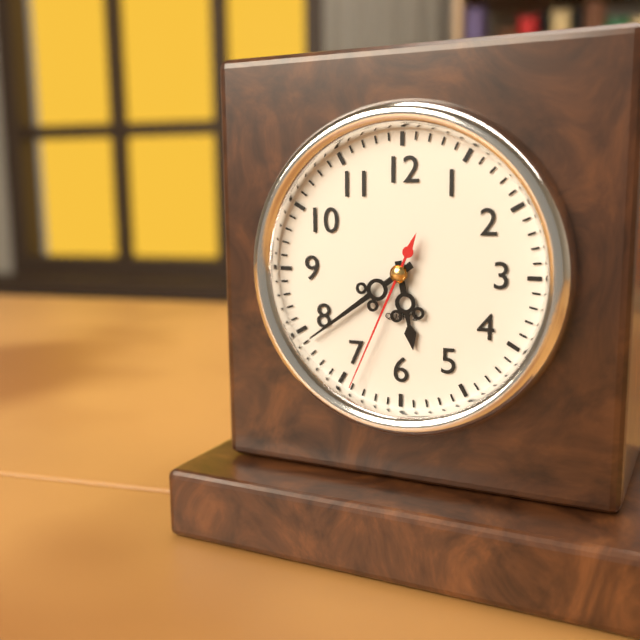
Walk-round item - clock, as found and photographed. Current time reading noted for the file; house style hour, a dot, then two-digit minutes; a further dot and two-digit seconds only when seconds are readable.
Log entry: 5.39.34
